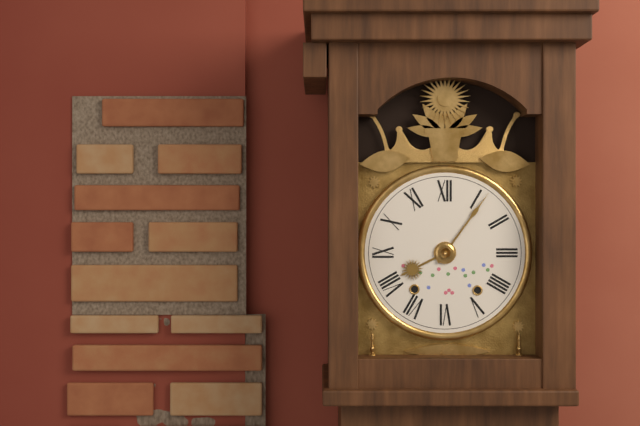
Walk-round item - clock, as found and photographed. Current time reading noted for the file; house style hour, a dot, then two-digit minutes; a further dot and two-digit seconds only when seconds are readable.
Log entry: 8.06
